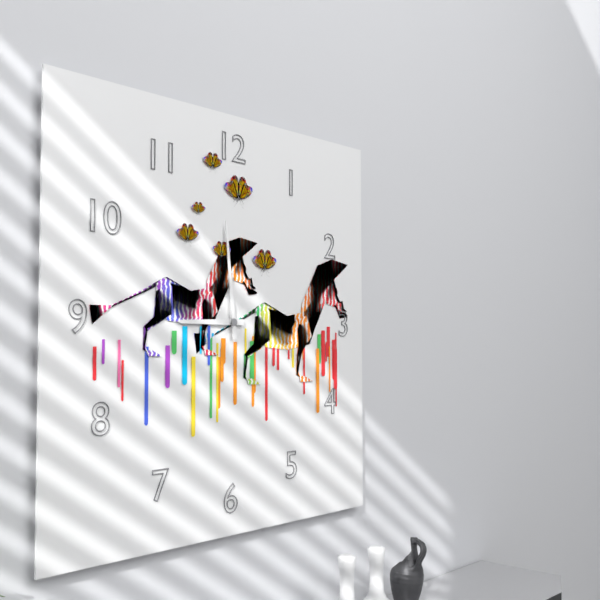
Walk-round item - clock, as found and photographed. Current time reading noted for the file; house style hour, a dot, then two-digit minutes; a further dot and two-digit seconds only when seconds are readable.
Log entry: 8.59
